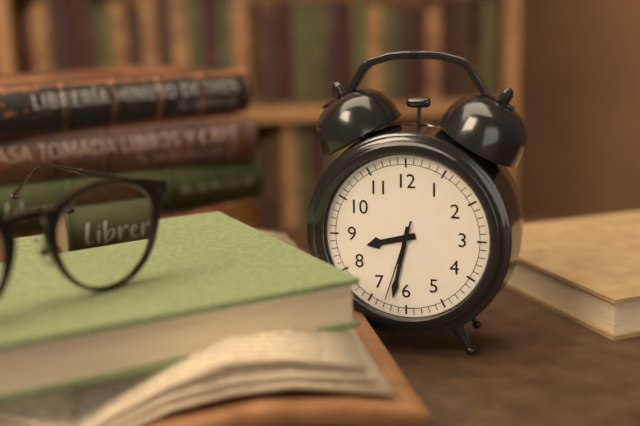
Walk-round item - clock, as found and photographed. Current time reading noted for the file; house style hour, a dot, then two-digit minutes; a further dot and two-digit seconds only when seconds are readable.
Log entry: 8.32.33
